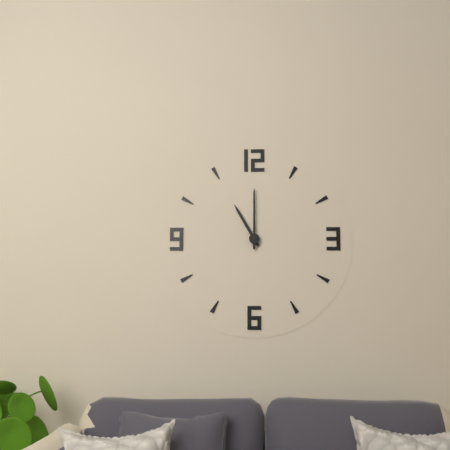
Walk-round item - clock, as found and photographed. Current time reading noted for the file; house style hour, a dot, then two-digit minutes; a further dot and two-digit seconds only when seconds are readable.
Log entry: 11.00
